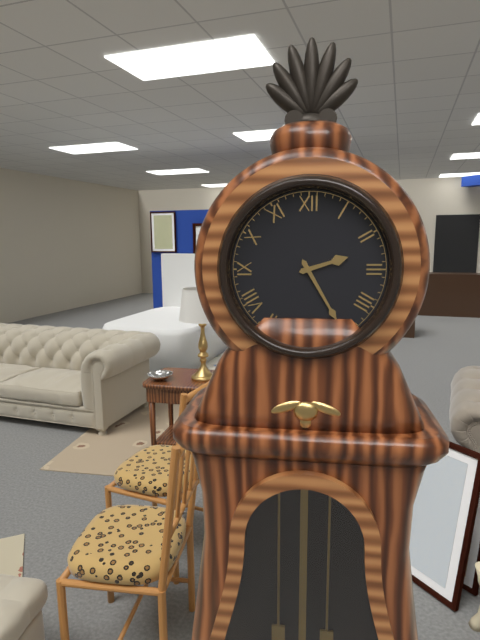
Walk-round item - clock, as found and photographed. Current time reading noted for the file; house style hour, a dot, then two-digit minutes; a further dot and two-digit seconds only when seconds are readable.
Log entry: 2.25
